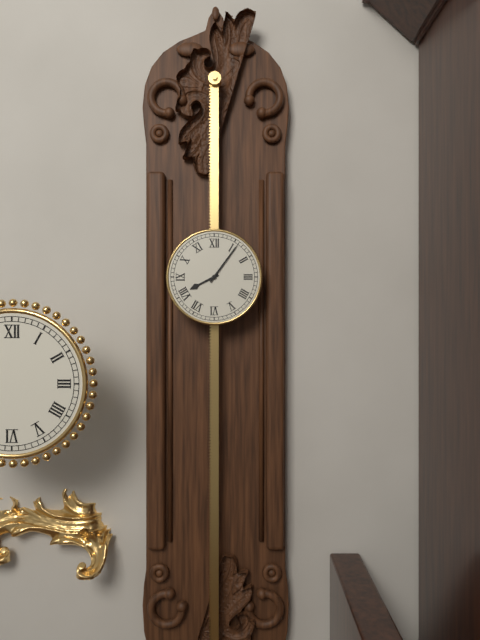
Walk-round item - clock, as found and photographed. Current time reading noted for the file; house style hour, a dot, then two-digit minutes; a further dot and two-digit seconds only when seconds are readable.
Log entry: 8.06
